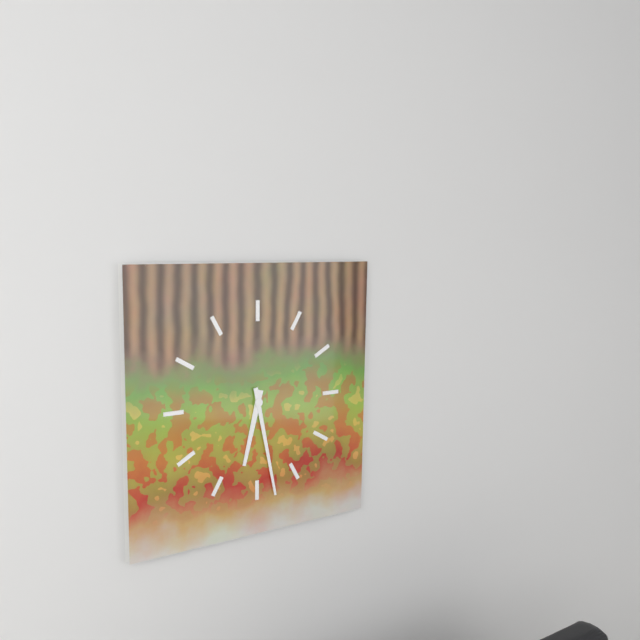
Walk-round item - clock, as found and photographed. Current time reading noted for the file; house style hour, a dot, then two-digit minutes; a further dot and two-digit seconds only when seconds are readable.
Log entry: 6.28
